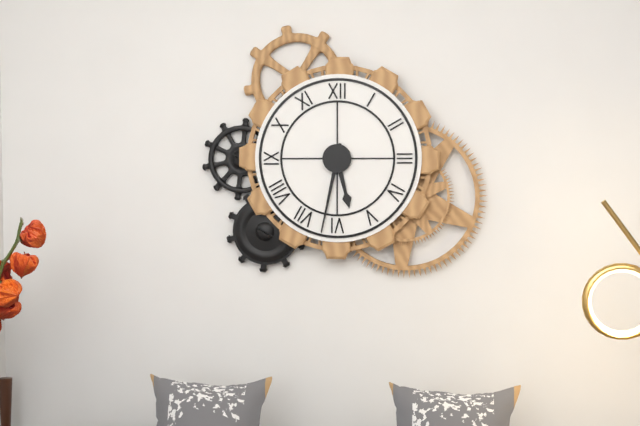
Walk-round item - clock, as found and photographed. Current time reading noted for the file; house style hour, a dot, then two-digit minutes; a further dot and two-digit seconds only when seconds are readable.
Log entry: 5.32
